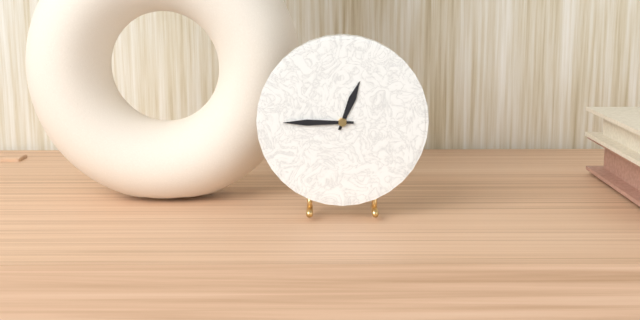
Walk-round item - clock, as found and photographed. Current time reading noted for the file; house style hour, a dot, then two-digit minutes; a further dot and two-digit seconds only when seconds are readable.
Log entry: 12.45
